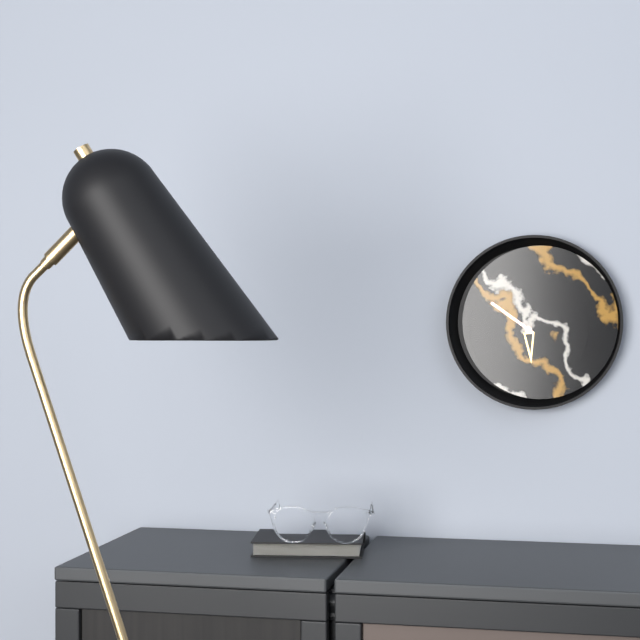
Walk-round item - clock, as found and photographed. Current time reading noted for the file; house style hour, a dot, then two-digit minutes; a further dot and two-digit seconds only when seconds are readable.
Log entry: 5.51
